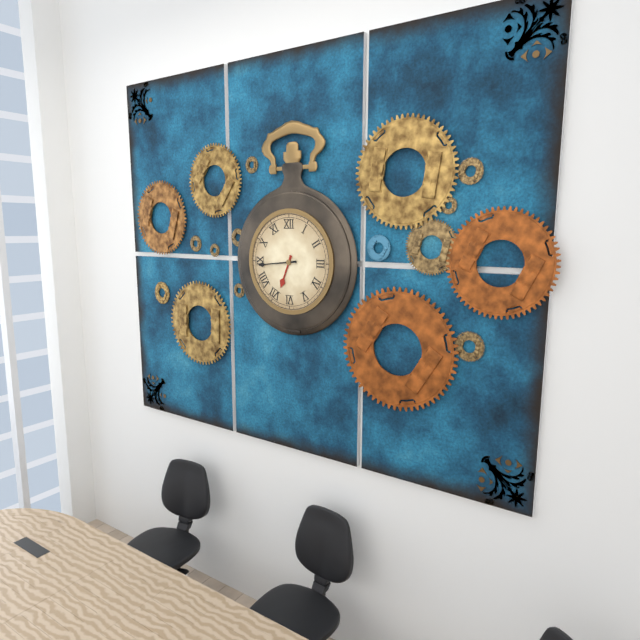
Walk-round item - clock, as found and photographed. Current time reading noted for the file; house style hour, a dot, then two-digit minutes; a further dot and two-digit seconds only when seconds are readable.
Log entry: 6.44
